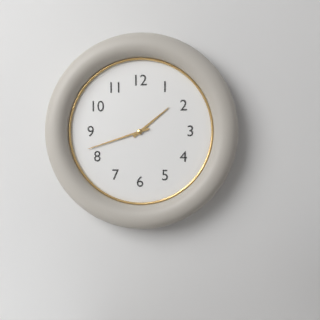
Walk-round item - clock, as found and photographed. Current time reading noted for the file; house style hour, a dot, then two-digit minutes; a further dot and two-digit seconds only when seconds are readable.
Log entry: 1.42
